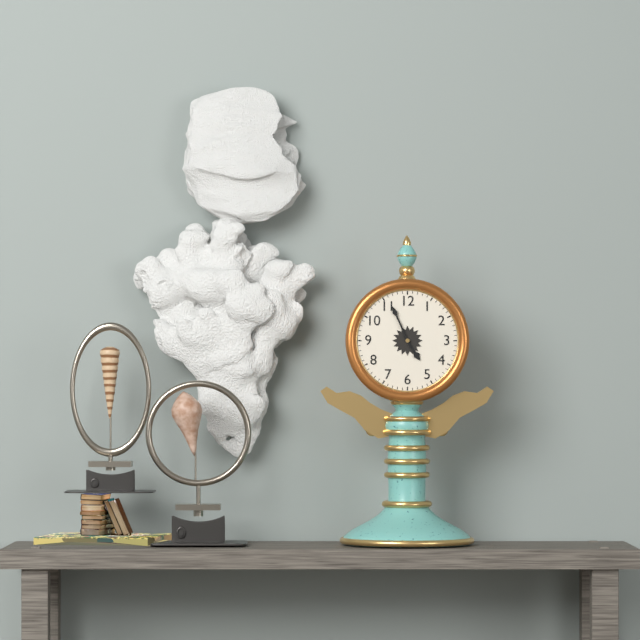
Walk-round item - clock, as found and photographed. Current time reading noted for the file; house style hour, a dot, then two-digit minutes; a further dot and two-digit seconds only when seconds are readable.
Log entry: 4.56
